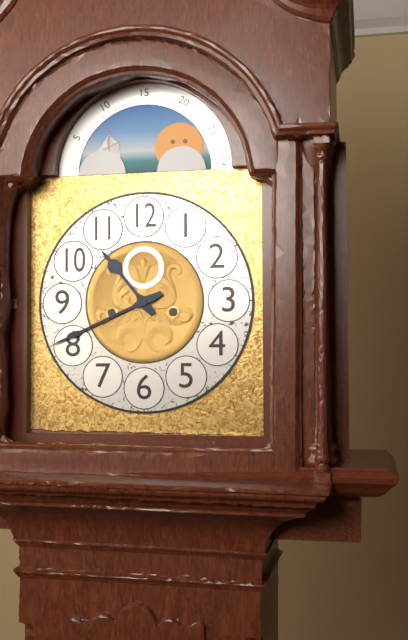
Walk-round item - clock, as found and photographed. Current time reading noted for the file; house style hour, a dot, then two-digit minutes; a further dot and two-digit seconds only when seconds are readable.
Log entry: 10.41
